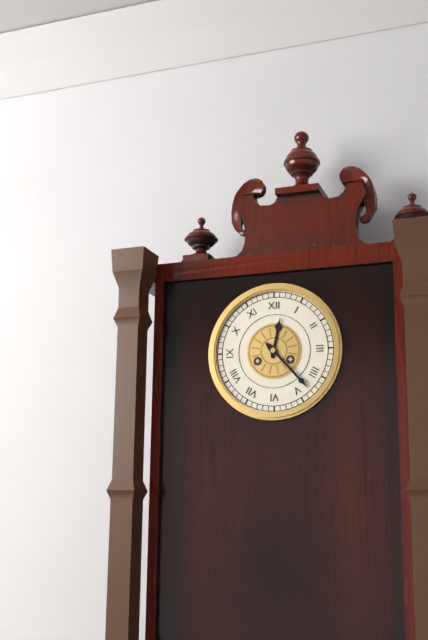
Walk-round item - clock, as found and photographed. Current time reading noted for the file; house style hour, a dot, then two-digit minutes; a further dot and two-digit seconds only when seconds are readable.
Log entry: 12.23
